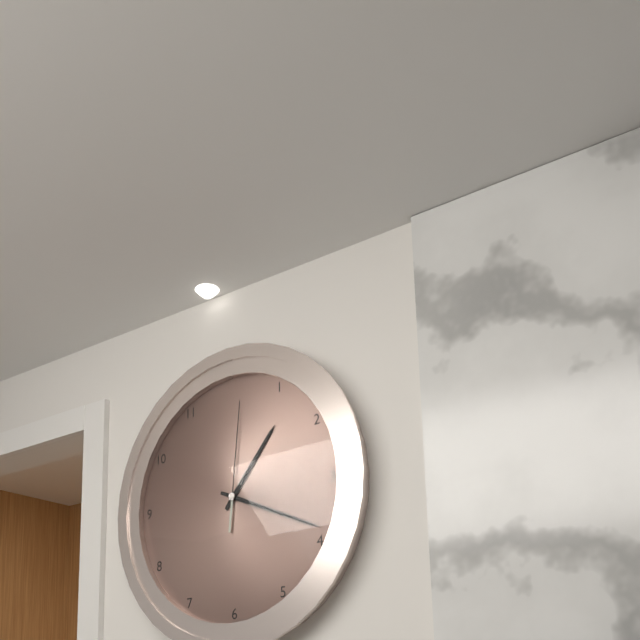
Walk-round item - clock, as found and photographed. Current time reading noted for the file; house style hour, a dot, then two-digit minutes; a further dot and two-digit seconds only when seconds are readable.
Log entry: 1.19.01
